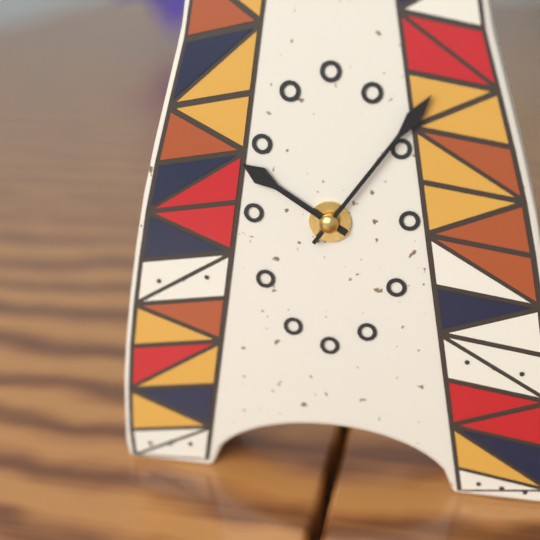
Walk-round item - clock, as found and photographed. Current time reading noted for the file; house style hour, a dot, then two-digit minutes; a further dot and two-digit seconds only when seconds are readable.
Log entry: 10.06
